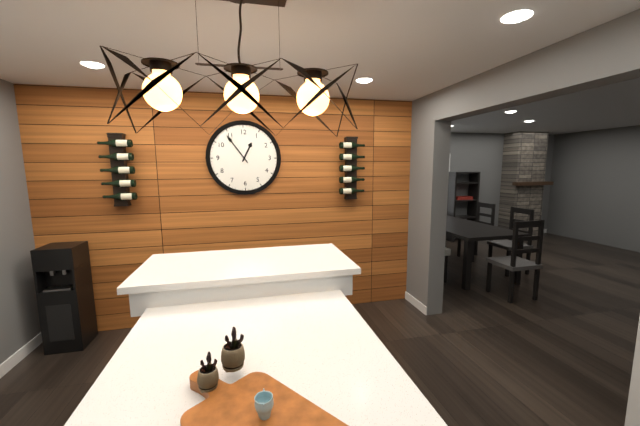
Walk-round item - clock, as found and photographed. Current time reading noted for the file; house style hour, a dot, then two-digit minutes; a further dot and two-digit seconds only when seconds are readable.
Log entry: 12.54
